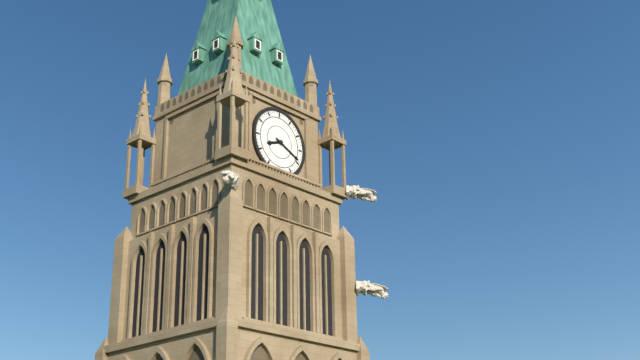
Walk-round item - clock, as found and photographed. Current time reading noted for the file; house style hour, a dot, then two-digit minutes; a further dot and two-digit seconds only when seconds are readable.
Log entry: 8.19
